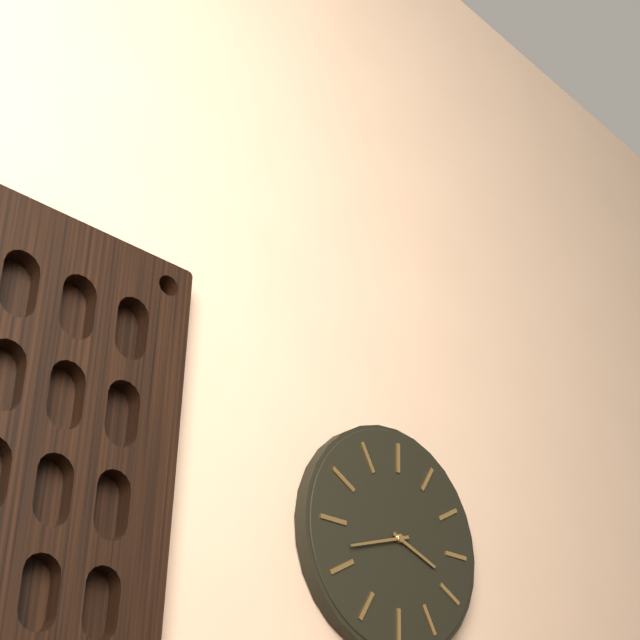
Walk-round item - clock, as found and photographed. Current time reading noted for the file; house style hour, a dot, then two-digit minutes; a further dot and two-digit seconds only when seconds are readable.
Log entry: 3.42
